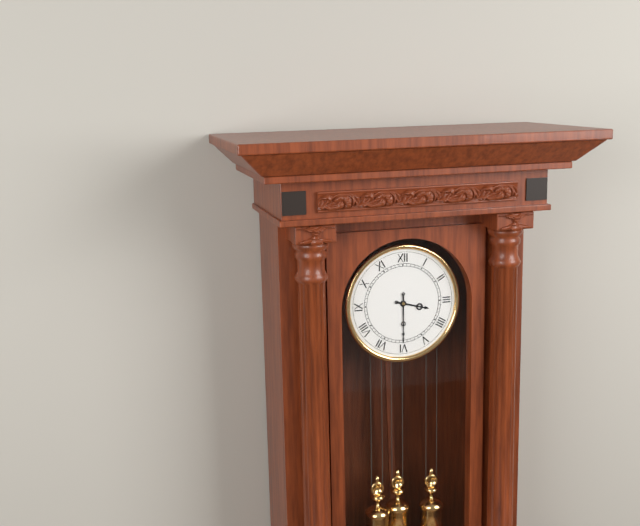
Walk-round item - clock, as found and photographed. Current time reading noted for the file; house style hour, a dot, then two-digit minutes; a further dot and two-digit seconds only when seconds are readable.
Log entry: 3.30
